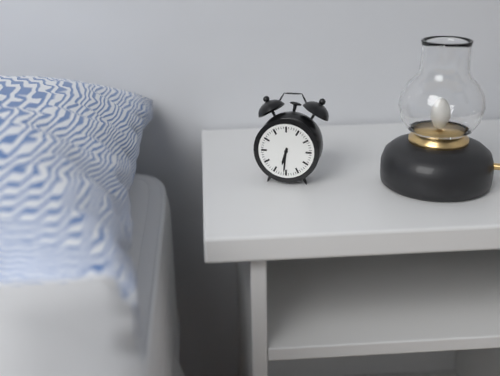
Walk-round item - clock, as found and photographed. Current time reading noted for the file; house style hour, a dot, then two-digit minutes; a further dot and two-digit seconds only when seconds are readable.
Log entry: 6.31
